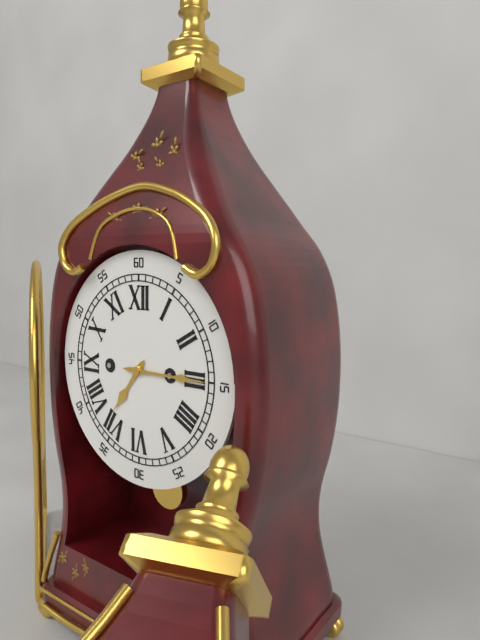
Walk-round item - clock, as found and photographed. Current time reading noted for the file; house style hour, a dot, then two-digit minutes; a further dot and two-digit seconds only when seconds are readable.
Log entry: 7.15
